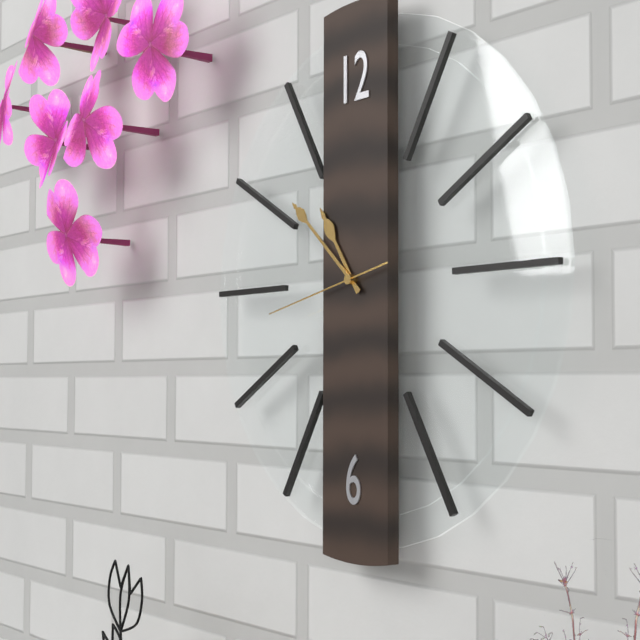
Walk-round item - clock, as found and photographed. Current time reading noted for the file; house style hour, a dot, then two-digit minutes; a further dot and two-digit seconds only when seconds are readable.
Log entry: 10.52.43
